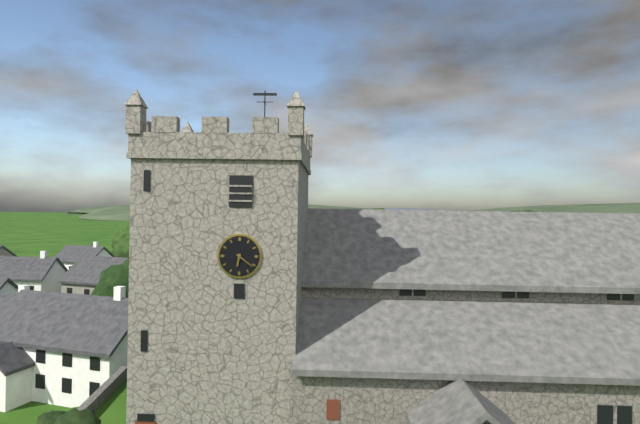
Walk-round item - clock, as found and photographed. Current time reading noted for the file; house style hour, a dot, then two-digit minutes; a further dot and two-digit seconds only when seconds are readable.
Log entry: 6.21
